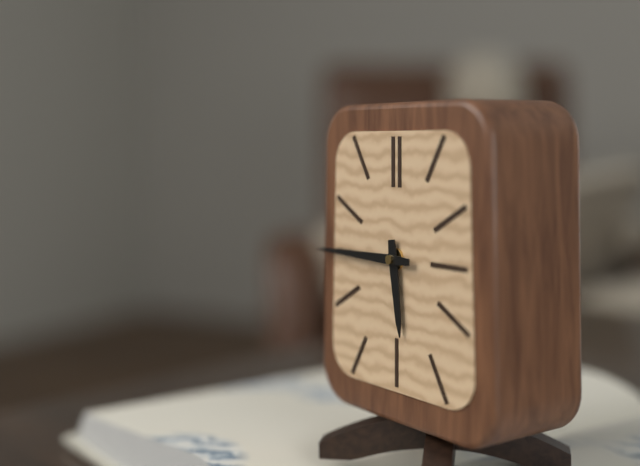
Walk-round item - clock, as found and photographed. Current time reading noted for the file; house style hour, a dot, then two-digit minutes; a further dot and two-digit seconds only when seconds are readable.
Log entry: 5.45
